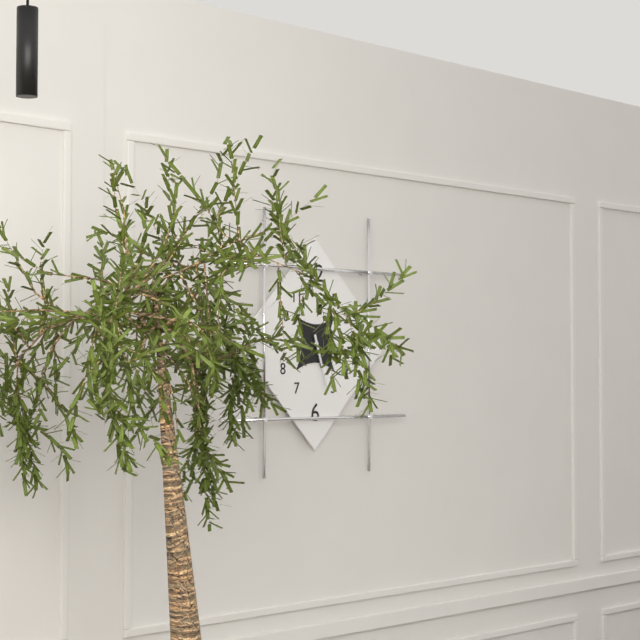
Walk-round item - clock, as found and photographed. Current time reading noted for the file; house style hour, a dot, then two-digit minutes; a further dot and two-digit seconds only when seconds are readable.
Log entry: 5.27
